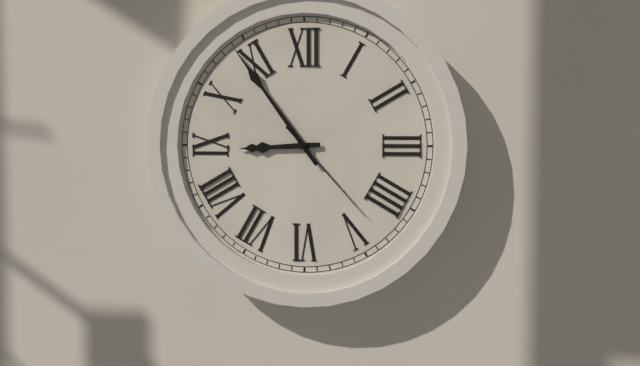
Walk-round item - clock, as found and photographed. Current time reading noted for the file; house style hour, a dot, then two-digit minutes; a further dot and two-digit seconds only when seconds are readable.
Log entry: 8.54.23
